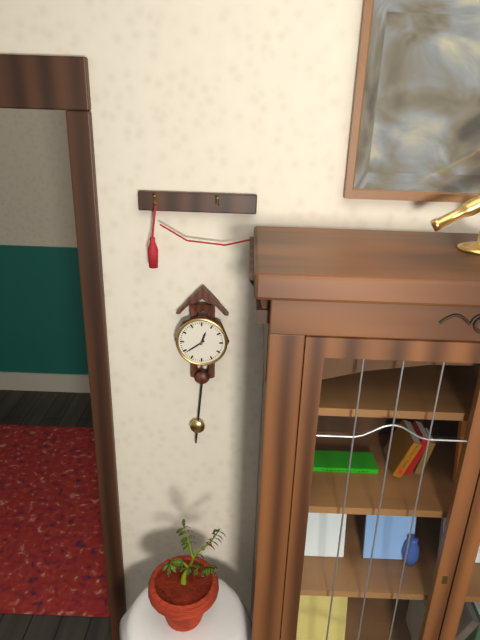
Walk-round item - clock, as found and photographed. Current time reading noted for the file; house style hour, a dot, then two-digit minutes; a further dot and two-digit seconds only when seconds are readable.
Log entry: 12.39
